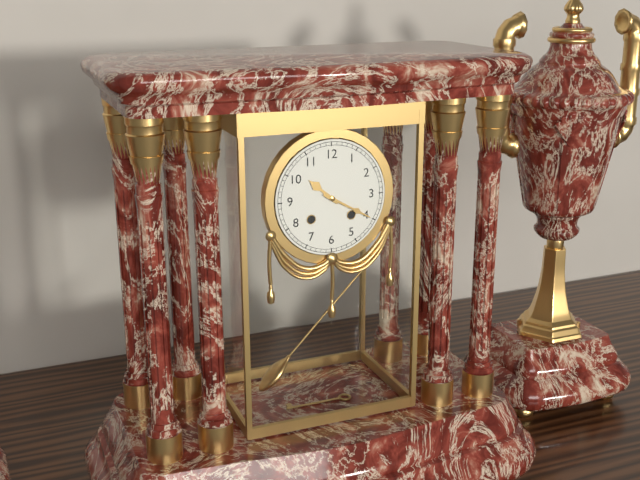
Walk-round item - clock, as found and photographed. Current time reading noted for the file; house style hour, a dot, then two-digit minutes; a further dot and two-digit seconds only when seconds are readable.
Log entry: 10.20
